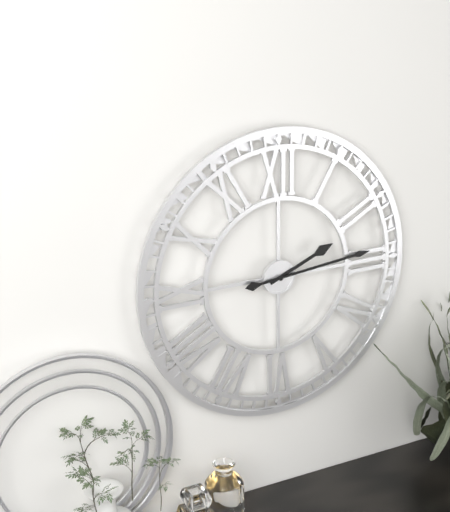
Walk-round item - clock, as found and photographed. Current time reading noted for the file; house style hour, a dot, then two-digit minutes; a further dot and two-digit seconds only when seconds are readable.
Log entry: 2.14
